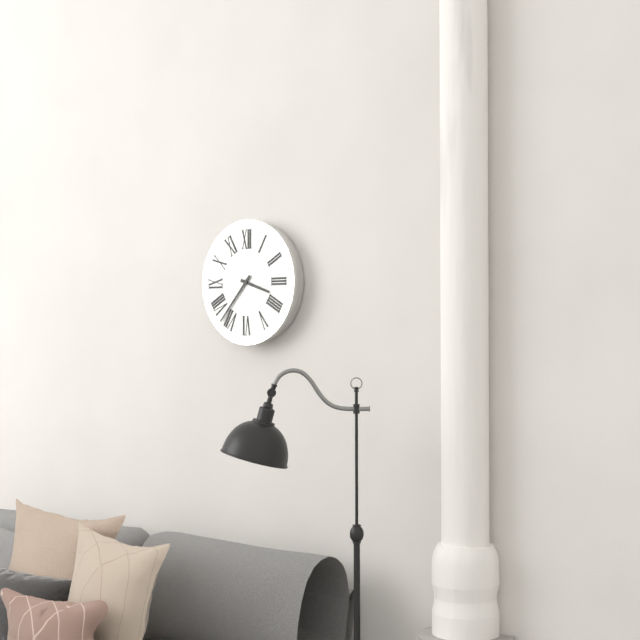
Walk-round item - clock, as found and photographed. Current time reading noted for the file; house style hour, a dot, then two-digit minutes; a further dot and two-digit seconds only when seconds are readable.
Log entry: 3.37
